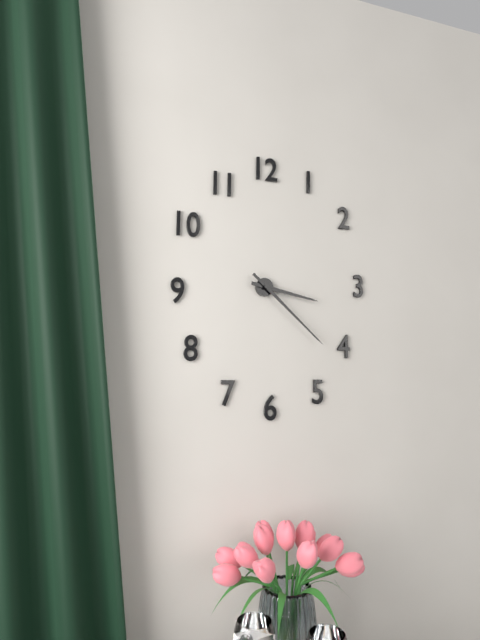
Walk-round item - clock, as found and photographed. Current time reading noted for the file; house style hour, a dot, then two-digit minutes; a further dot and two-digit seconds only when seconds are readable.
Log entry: 3.22
